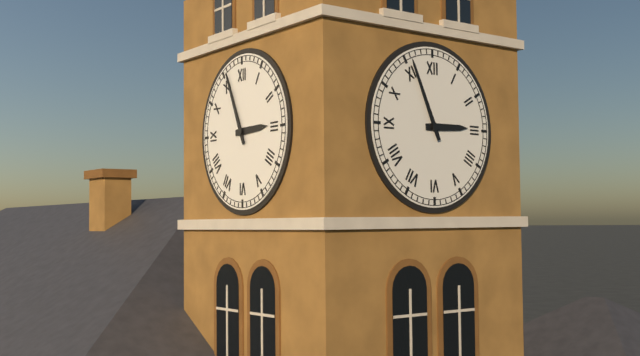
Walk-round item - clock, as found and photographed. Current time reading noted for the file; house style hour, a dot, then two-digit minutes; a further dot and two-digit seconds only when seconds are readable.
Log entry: 2.56
